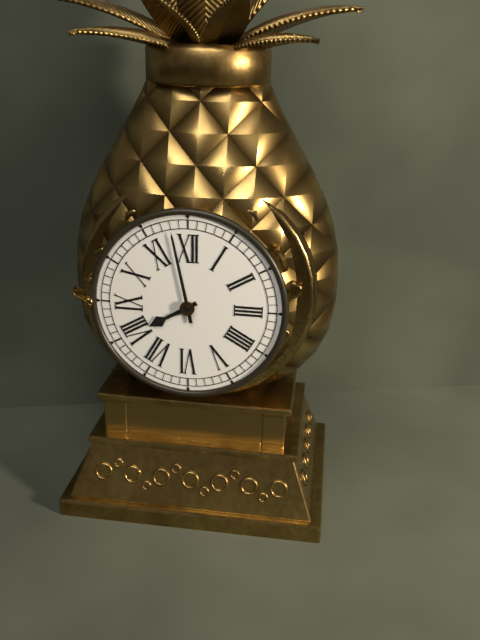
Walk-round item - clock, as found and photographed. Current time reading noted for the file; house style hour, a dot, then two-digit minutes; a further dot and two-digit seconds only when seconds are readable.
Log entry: 7.58
